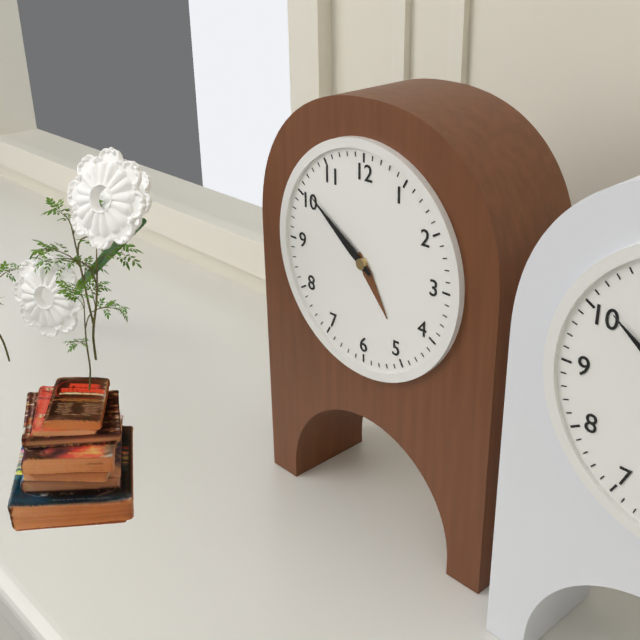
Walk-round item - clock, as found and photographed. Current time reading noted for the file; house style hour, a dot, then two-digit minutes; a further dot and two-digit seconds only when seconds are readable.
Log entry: 4.51
